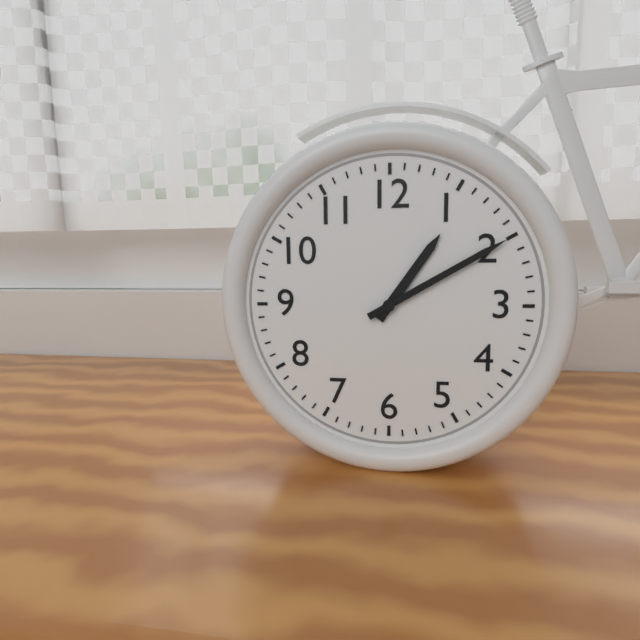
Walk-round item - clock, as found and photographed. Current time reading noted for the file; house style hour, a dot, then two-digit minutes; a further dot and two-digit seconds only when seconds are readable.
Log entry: 1.10
